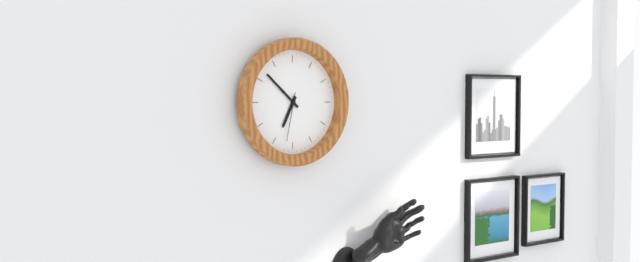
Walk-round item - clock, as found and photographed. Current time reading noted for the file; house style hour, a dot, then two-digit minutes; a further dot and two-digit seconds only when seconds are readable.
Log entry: 6.52
